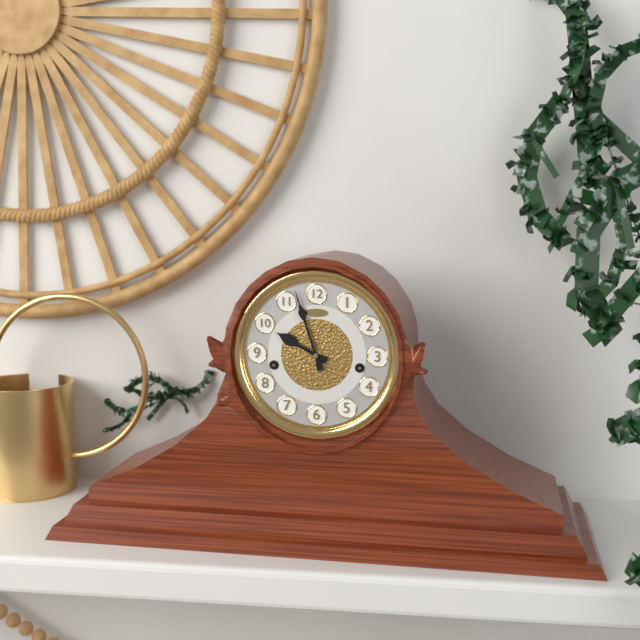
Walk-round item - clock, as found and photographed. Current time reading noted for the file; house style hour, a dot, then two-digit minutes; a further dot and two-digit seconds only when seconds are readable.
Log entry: 9.57
